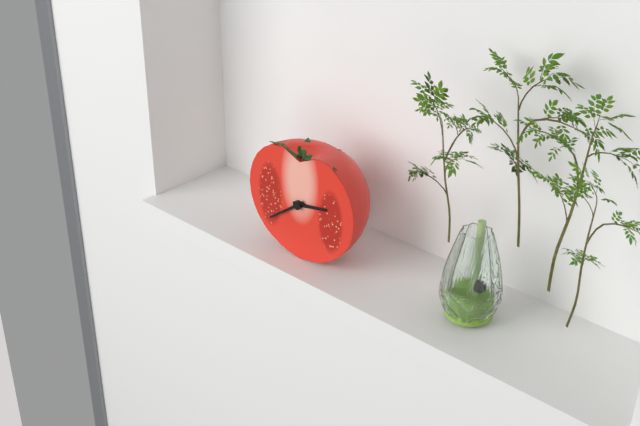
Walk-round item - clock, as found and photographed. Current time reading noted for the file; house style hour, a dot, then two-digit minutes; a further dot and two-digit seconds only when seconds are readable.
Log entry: 2.39
